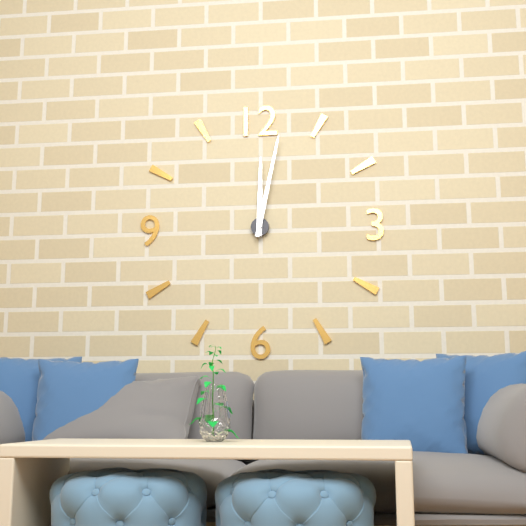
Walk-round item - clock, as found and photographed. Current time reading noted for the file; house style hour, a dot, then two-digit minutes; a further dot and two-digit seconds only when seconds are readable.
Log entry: 12.02
